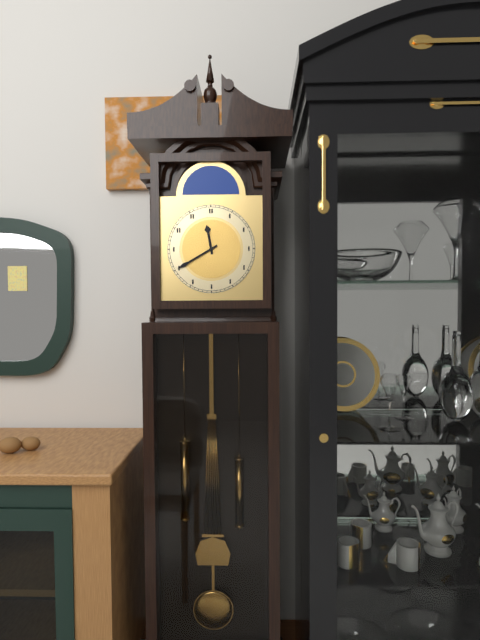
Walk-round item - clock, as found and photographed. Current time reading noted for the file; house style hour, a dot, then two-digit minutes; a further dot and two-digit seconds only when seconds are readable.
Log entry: 11.40
